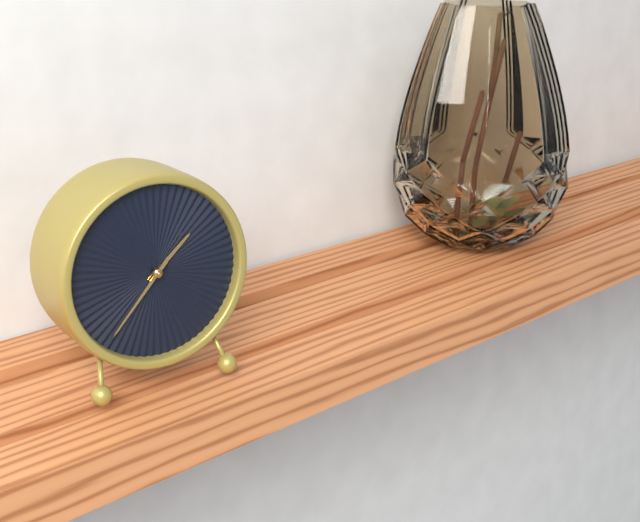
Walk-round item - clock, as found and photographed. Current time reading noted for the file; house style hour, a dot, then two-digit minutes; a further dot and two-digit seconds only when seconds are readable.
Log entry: 1.37
